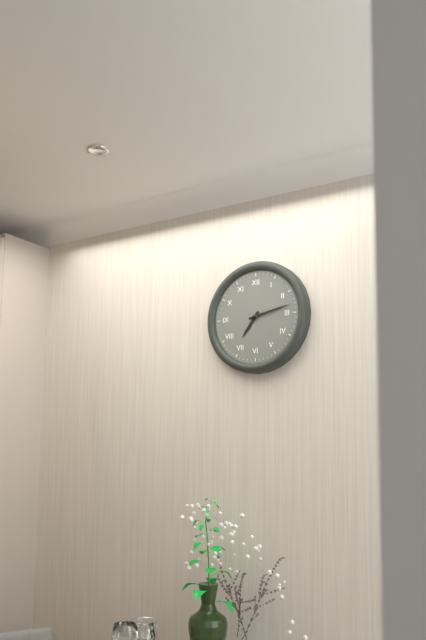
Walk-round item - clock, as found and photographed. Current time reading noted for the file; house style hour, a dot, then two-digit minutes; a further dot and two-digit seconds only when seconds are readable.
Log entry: 7.13
